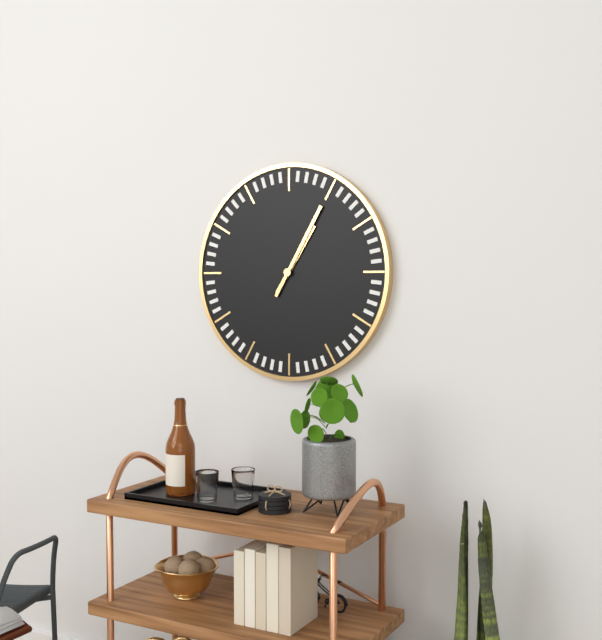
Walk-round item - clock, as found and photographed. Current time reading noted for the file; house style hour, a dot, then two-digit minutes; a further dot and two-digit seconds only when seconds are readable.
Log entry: 1.05
